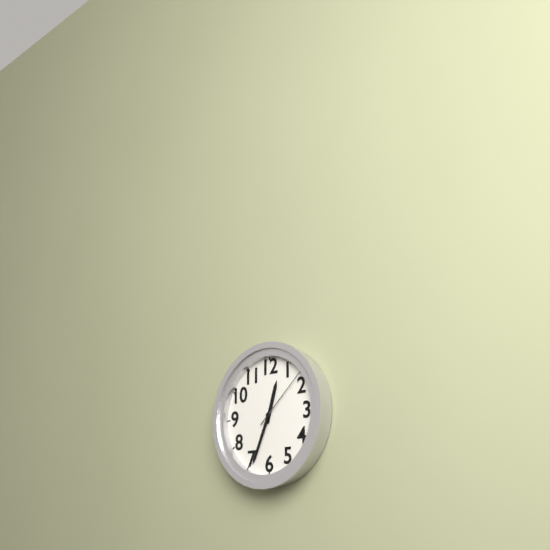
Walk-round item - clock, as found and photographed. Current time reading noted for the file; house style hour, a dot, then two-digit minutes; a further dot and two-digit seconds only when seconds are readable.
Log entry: 12.34.08
